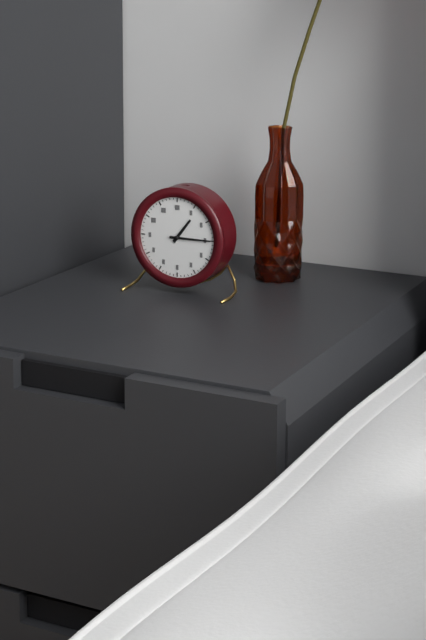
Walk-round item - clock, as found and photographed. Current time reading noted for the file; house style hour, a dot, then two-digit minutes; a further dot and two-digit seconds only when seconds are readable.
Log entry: 1.15
